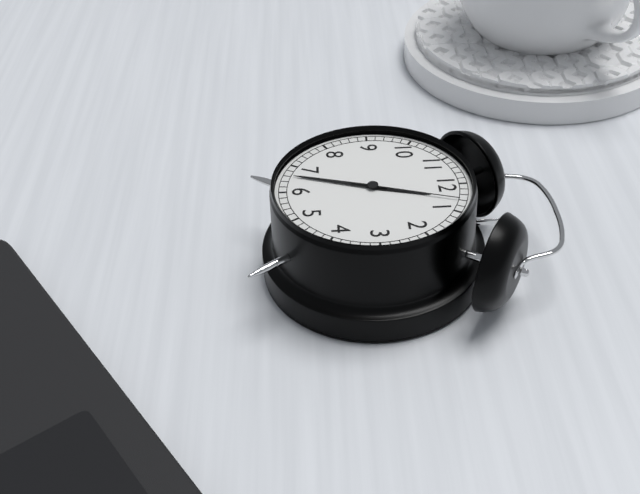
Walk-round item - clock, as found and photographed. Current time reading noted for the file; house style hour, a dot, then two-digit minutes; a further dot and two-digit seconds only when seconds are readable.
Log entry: 12.33.03
